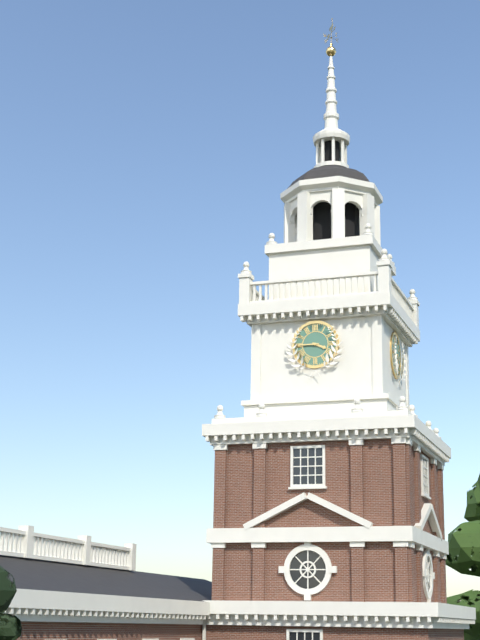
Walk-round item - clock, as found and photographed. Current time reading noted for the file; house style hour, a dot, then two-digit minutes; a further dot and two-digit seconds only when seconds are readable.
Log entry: 3.45
